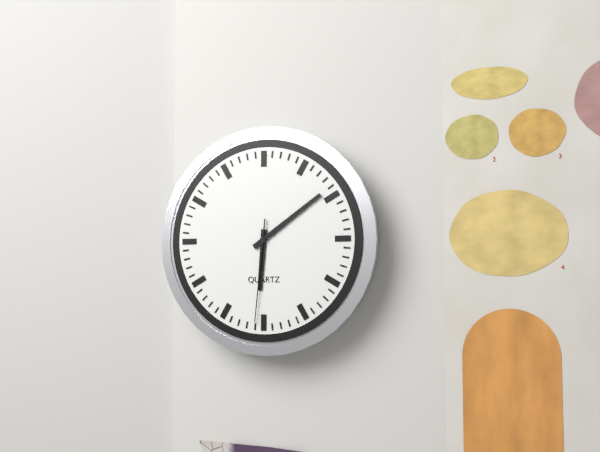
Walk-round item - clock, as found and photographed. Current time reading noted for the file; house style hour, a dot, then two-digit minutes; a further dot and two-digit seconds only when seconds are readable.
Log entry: 6.09.31
